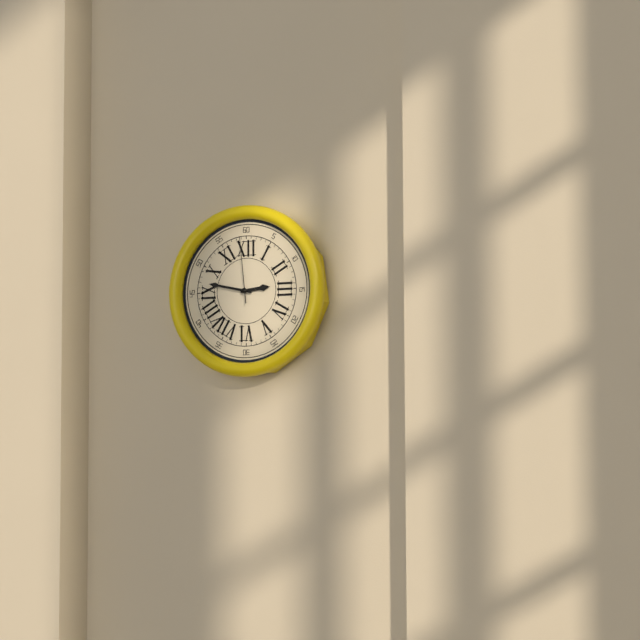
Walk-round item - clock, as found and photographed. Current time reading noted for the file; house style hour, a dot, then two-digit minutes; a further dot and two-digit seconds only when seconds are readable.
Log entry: 2.47.59
